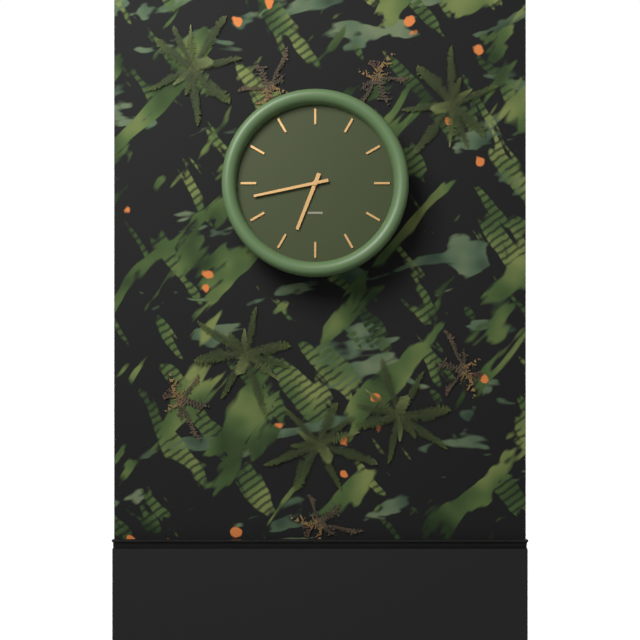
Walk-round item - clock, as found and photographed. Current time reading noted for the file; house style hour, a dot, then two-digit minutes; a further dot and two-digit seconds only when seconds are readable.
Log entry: 6.43
